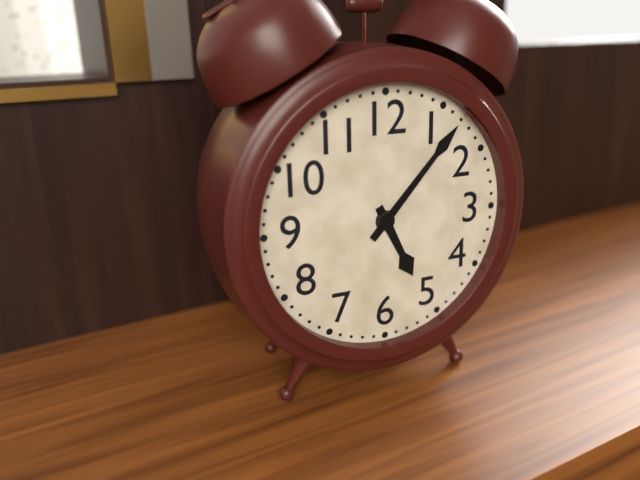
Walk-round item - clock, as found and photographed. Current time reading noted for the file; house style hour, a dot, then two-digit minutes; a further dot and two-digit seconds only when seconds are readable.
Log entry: 5.07
